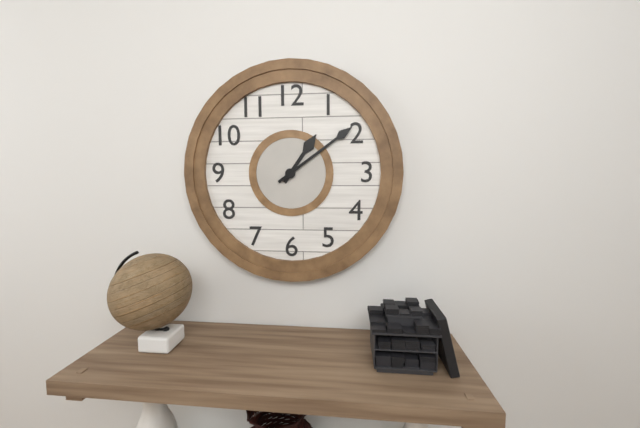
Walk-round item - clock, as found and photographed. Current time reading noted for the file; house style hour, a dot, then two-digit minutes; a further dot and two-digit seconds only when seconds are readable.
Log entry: 1.09
